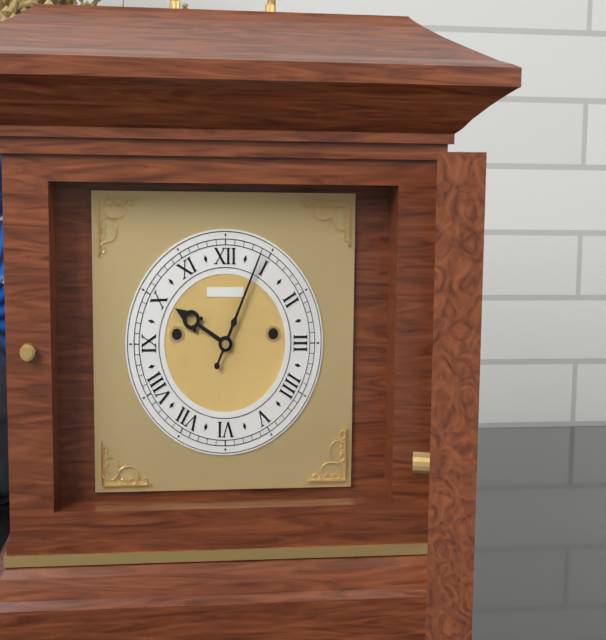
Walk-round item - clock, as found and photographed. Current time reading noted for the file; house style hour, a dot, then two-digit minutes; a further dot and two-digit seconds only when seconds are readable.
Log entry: 10.04
